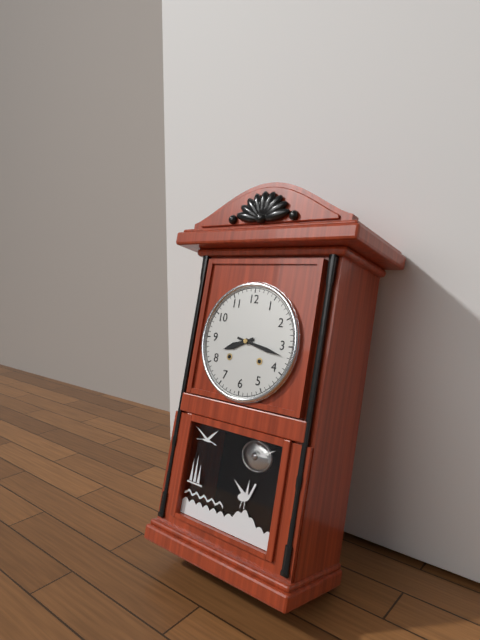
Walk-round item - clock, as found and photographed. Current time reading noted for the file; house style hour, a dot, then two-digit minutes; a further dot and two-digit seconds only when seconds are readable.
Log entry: 8.17
